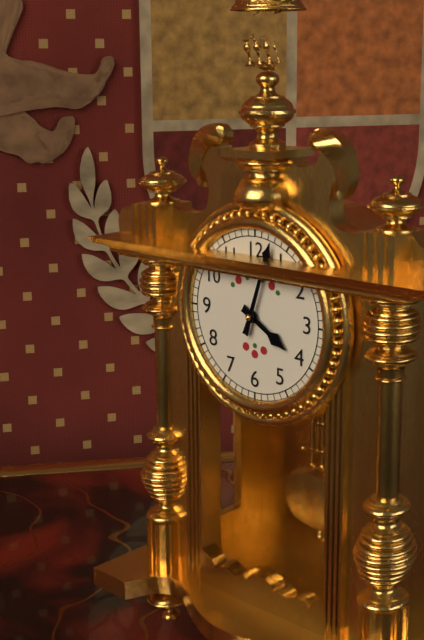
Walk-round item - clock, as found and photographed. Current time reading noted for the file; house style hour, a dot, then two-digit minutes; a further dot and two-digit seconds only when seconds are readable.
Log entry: 4.03
